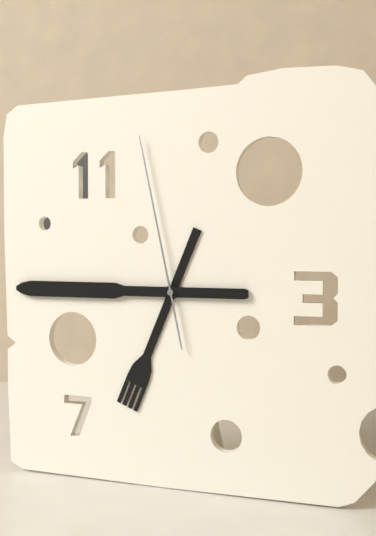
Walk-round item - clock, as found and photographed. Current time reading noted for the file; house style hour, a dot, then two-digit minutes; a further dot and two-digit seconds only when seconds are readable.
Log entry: 6.45.58
